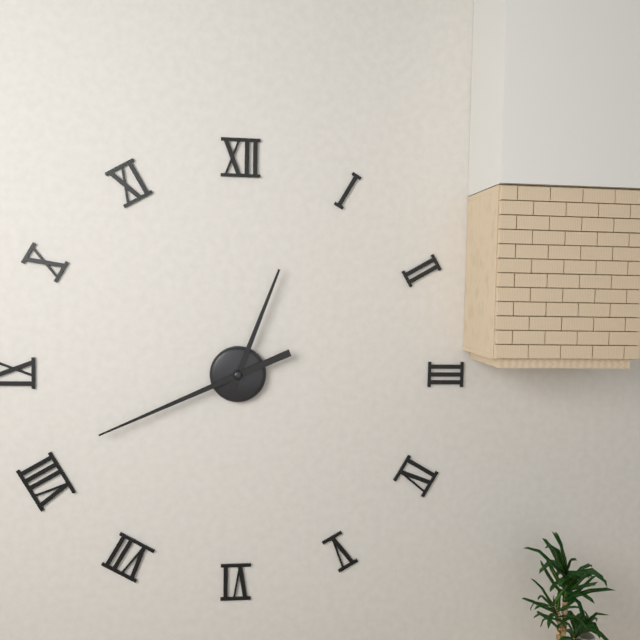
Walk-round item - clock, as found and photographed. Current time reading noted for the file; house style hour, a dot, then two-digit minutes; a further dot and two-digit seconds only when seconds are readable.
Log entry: 12.41
